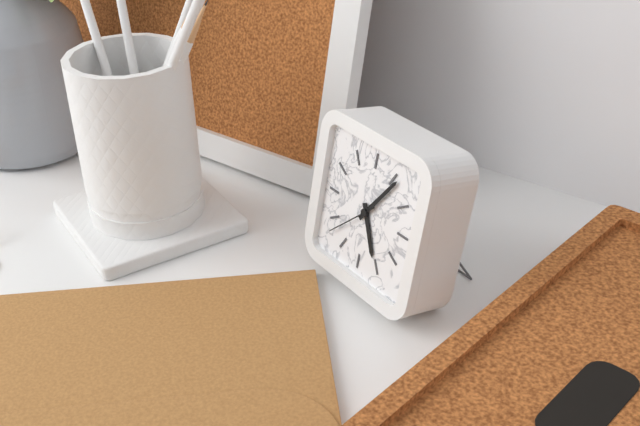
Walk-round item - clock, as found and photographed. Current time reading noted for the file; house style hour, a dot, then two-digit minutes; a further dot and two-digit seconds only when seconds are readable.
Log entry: 5.06
